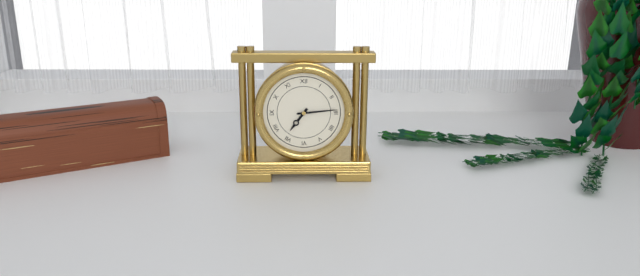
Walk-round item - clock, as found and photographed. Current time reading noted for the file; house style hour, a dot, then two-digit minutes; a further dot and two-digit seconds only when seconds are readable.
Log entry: 7.14
